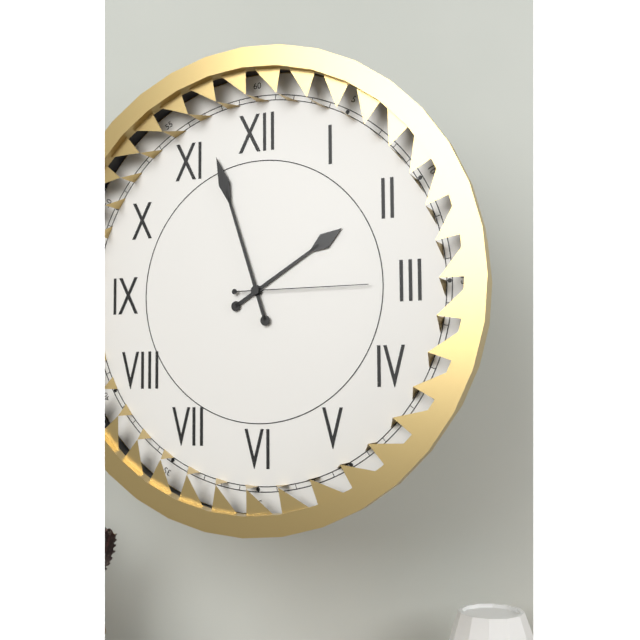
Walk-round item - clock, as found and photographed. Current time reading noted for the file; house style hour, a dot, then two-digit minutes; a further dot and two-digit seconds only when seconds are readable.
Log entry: 1.57.15
